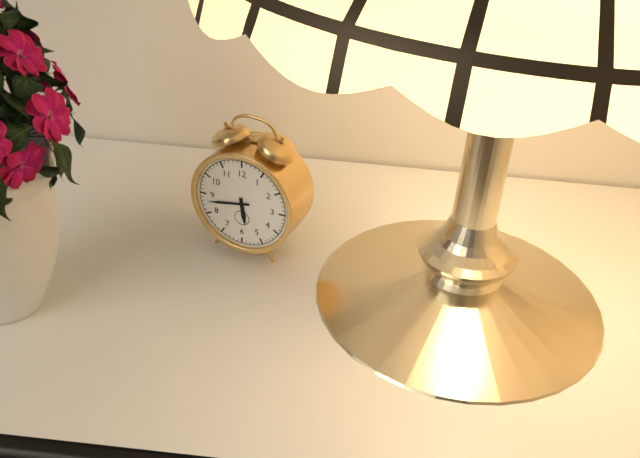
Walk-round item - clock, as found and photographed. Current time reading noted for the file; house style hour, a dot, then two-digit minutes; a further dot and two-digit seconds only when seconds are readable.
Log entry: 5.43
